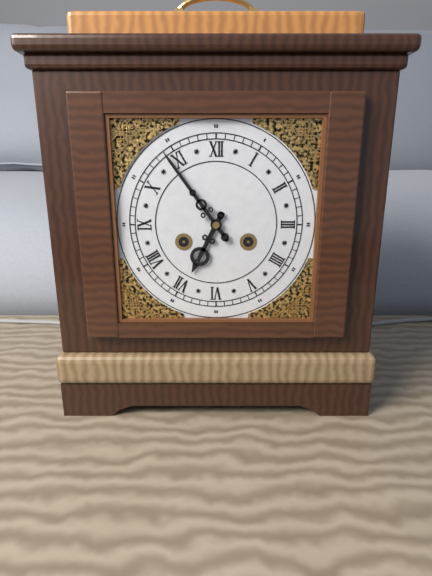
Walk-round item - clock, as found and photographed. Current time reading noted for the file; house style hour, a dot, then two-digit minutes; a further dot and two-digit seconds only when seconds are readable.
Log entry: 6.54
